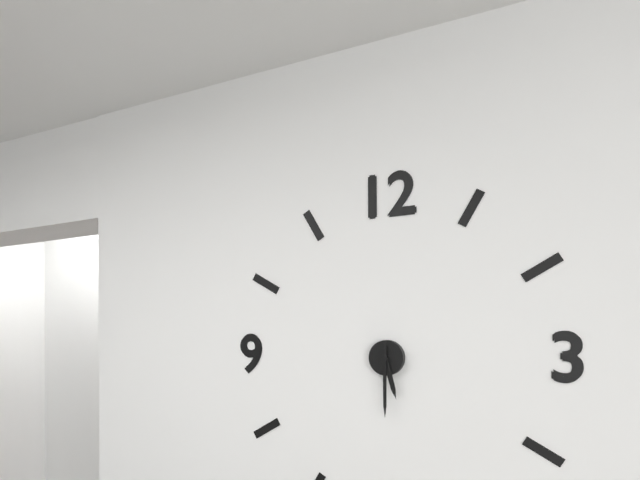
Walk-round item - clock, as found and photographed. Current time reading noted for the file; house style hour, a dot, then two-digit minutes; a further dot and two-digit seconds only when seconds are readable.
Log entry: 5.30
